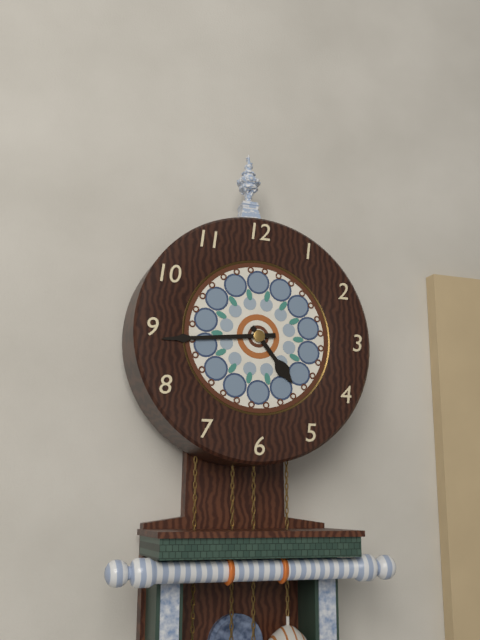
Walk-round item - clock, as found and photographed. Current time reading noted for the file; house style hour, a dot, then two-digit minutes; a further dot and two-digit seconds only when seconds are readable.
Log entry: 4.44
